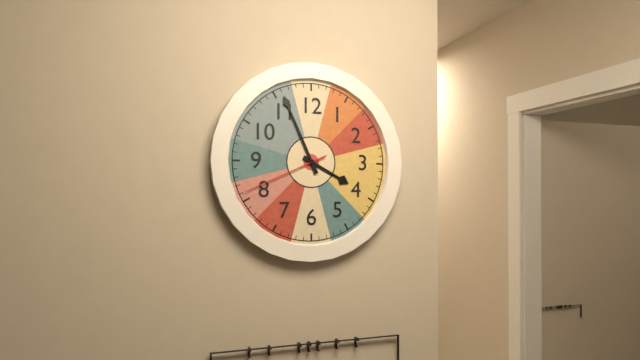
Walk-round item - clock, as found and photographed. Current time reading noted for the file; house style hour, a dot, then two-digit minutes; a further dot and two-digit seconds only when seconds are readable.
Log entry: 3.56.41
